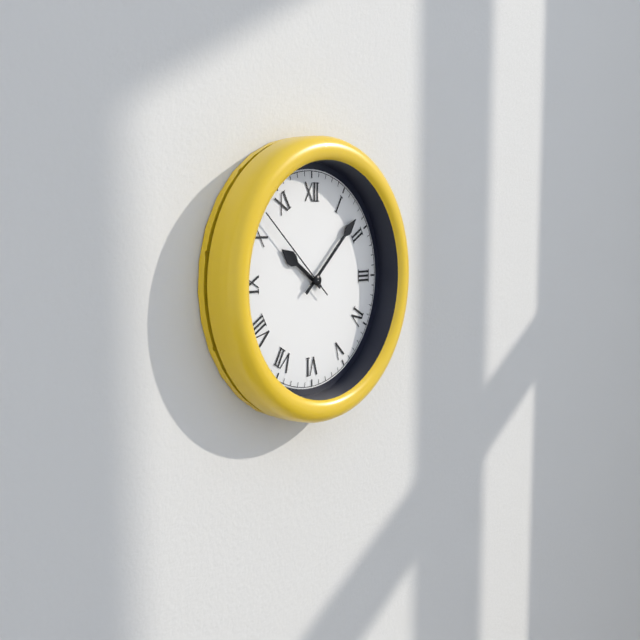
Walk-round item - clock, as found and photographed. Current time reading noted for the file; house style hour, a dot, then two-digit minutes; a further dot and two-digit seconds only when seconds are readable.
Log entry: 10.08.52
